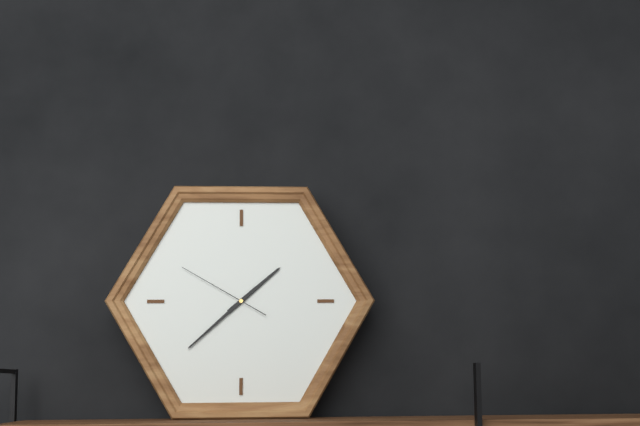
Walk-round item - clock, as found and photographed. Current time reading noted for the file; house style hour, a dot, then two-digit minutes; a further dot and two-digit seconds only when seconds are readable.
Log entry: 1.38.50
